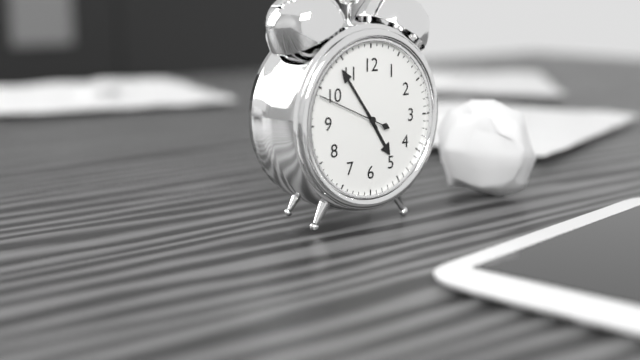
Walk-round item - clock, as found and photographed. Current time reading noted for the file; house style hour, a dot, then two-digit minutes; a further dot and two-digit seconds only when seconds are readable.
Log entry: 4.54.49
